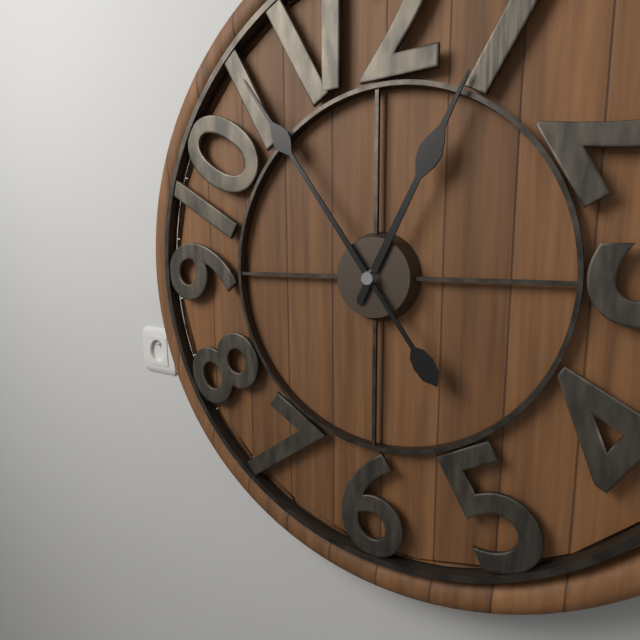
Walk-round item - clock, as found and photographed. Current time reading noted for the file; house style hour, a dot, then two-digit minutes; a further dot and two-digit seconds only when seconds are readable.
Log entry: 12.54
